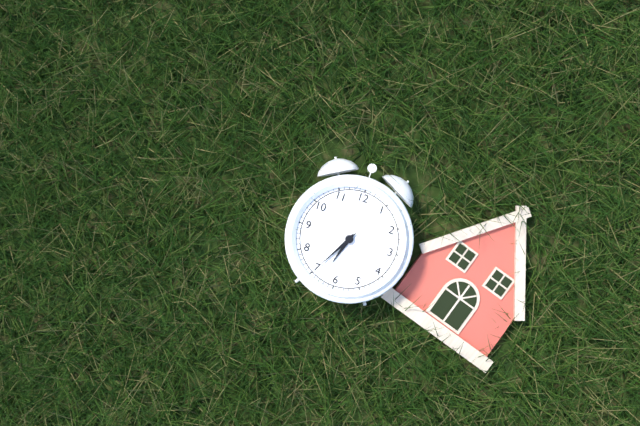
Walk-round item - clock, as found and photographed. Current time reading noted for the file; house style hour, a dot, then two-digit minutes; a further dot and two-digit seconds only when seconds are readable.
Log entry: 6.35
